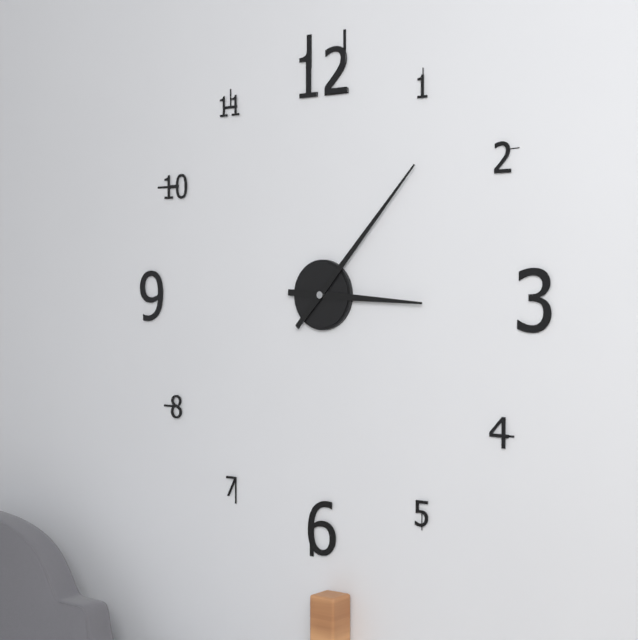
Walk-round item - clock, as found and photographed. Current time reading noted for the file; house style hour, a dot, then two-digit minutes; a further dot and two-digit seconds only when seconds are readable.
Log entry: 3.07
